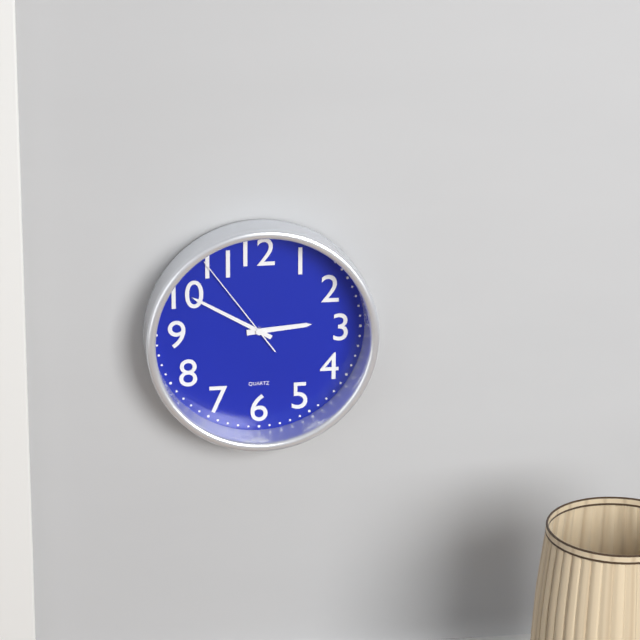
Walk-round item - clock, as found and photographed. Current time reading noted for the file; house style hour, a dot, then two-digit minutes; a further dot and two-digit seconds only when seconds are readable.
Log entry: 2.50.54
